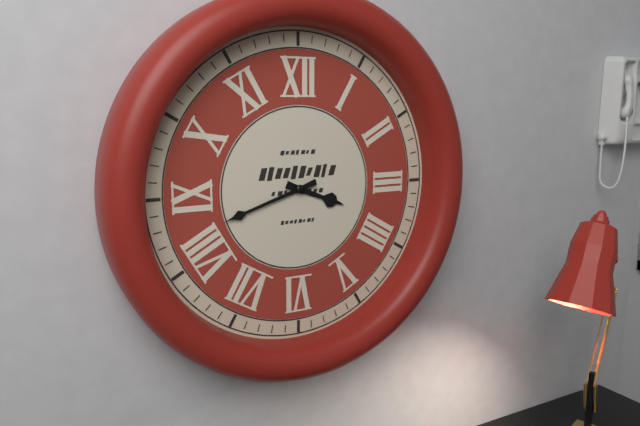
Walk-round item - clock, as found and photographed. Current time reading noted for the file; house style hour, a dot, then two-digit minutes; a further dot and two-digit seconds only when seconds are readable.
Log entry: 3.42
